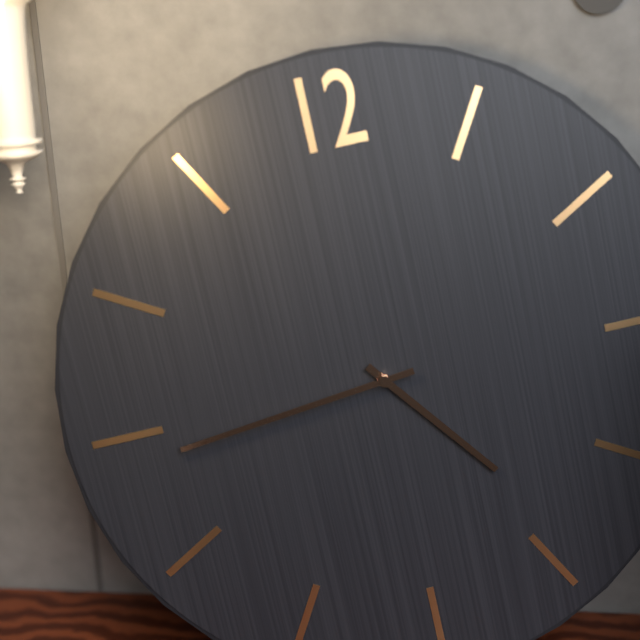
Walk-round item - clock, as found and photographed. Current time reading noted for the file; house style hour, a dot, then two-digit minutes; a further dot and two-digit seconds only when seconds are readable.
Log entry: 4.44
